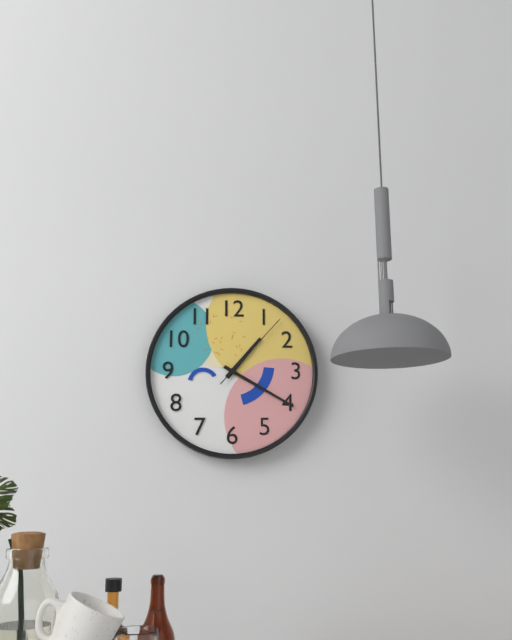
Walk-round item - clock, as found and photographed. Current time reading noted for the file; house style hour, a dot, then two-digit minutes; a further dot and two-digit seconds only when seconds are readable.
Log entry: 1.20.07
